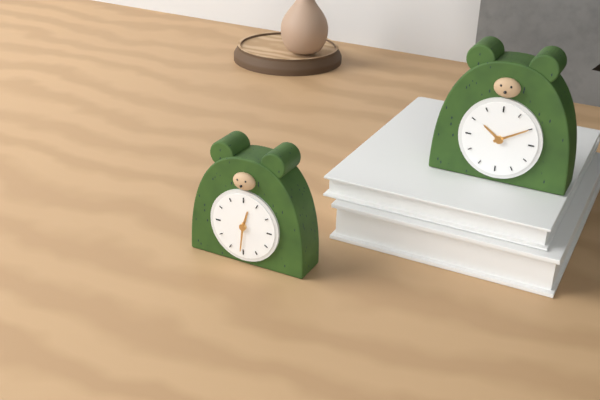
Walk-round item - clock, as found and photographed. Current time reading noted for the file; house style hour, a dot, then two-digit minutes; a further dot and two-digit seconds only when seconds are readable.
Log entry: 12.31
